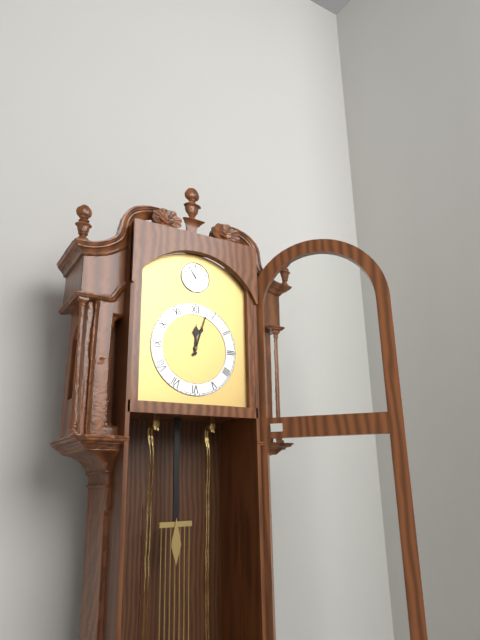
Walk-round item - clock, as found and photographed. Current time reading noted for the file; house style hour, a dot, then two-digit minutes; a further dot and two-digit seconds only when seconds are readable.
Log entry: 12.03
